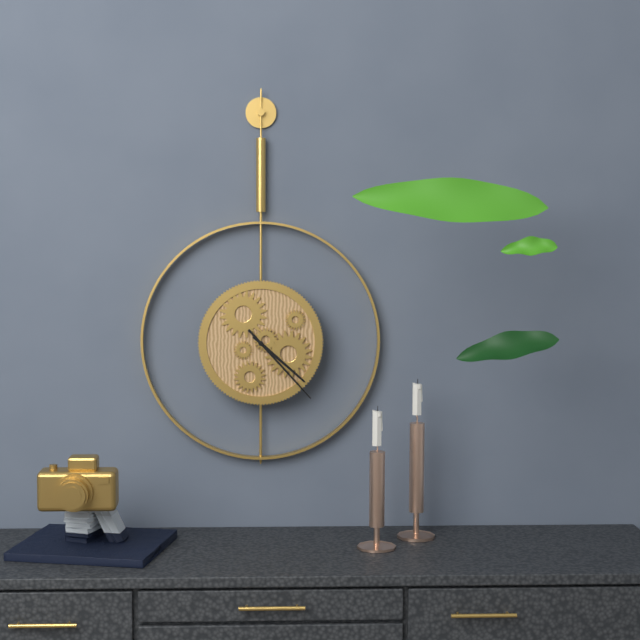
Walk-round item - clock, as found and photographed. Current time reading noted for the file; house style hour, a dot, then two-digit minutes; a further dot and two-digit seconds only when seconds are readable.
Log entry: 4.23
